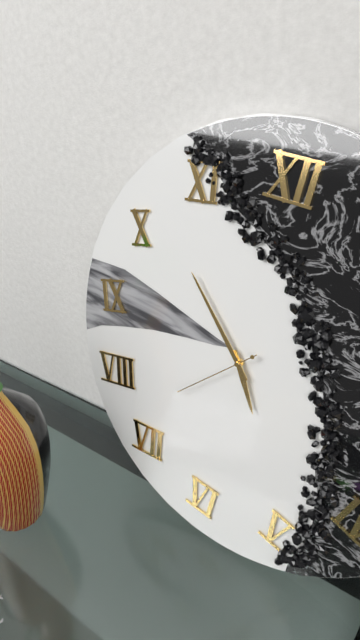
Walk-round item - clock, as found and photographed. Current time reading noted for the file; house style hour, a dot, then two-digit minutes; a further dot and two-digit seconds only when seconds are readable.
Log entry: 4.52.37
